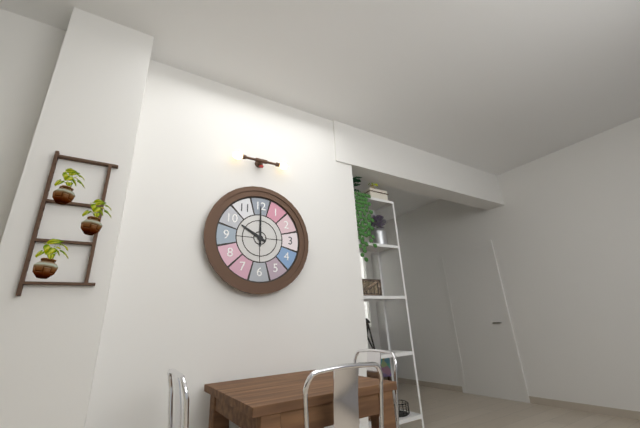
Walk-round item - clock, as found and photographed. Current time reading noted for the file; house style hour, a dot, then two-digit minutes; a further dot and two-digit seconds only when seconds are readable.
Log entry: 10.00
